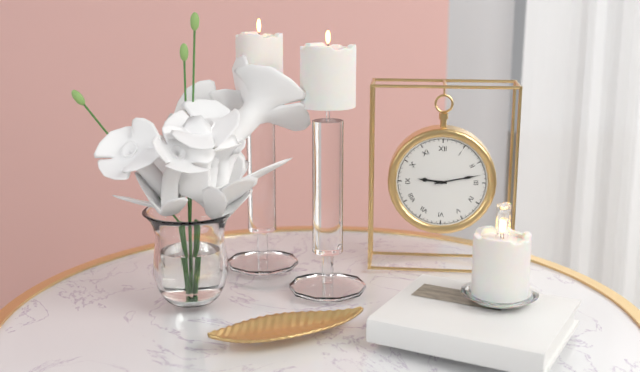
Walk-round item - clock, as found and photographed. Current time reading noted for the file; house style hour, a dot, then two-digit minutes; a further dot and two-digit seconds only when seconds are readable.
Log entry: 9.13
